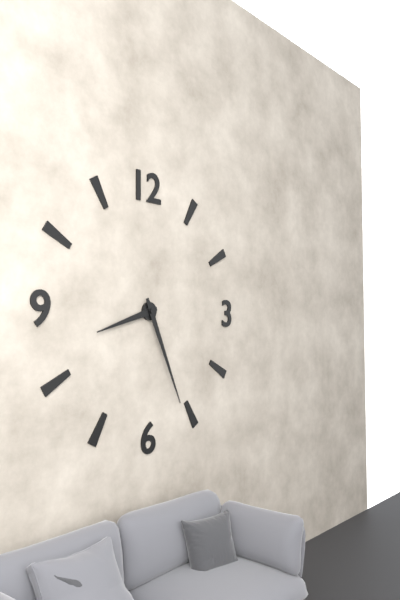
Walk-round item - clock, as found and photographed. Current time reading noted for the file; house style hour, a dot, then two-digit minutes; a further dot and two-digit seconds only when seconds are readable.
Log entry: 8.26
